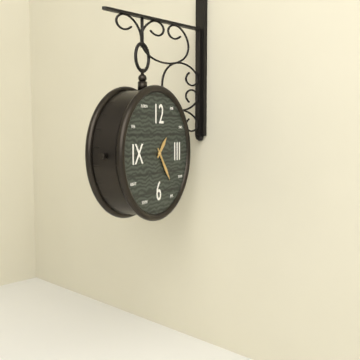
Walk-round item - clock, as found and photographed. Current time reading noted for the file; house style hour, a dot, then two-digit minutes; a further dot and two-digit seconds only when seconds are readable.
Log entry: 1.24
